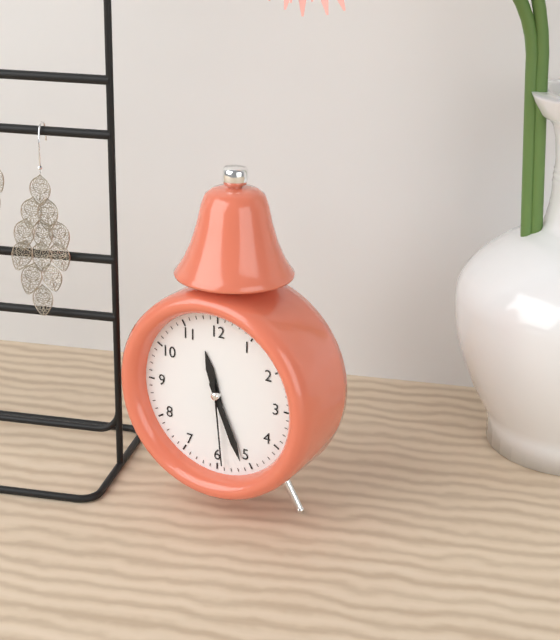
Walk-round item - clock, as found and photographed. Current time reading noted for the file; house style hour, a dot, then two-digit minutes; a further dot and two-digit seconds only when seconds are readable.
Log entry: 11.26.29
